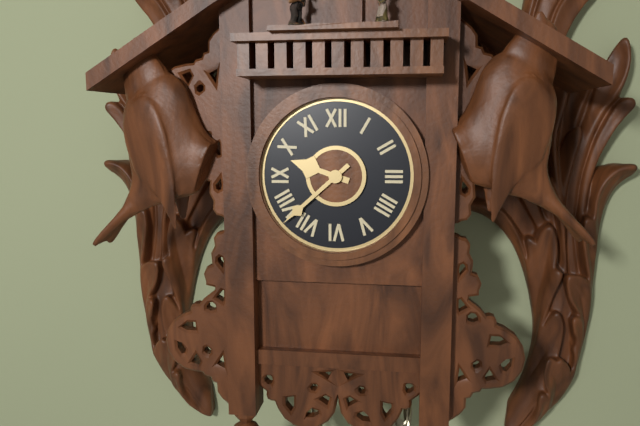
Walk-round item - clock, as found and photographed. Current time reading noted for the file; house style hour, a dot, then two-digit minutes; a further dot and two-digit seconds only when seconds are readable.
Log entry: 9.38
